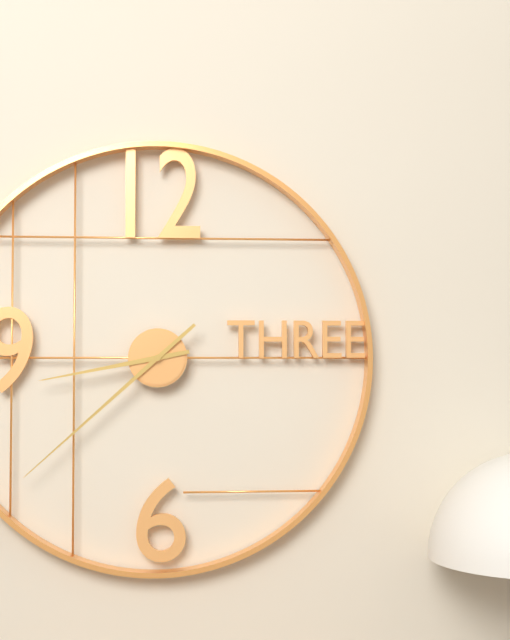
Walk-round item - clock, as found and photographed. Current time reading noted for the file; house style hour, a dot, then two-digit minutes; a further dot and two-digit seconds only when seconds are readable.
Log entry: 8.38
